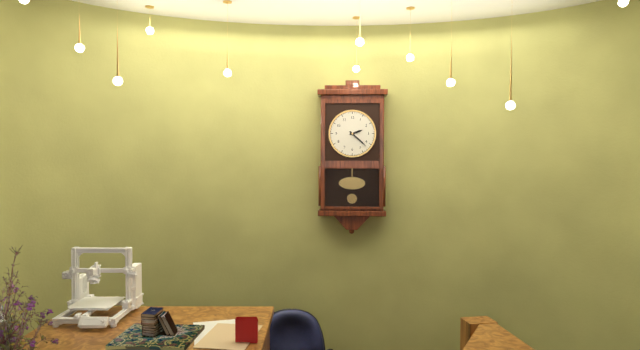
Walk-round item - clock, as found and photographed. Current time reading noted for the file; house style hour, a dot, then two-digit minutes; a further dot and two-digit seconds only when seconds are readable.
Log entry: 2.22
